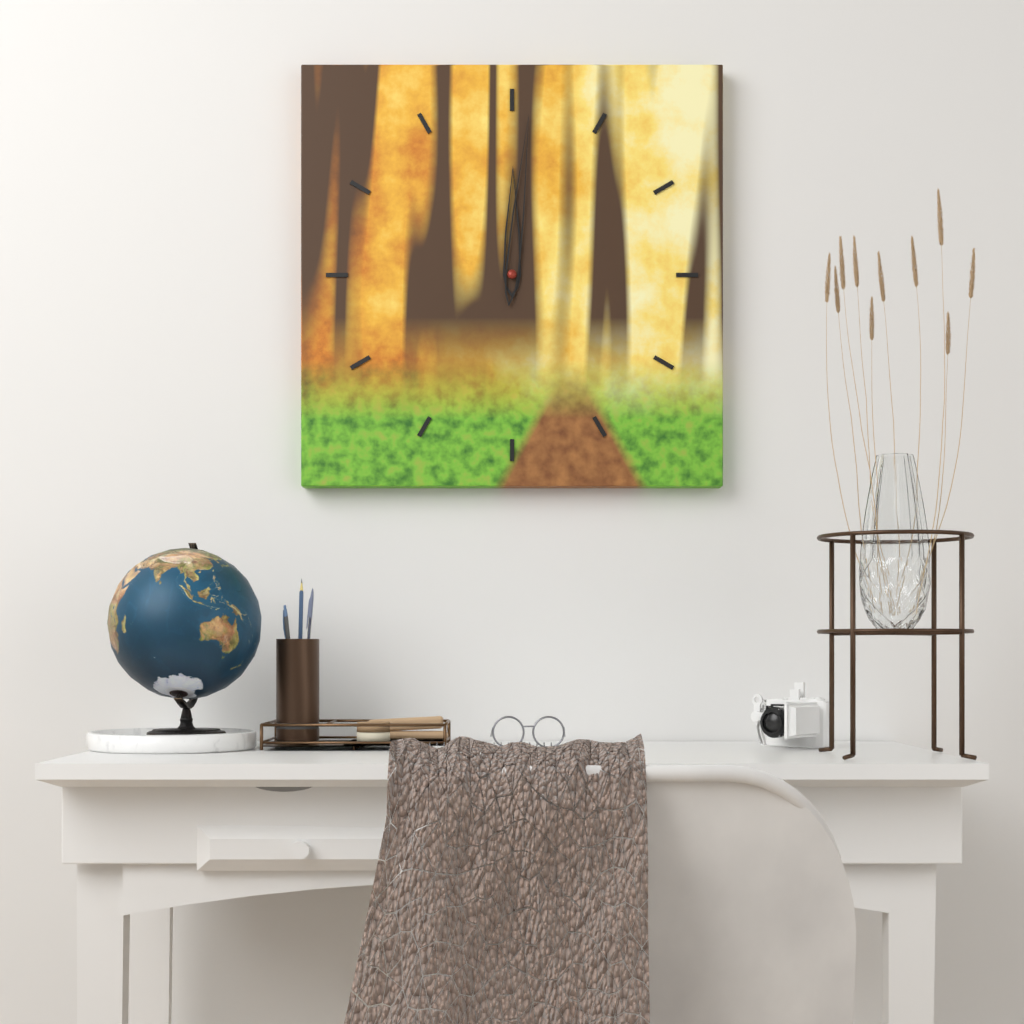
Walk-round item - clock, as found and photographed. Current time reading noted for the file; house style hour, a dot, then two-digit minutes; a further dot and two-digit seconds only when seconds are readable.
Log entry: 12.01
